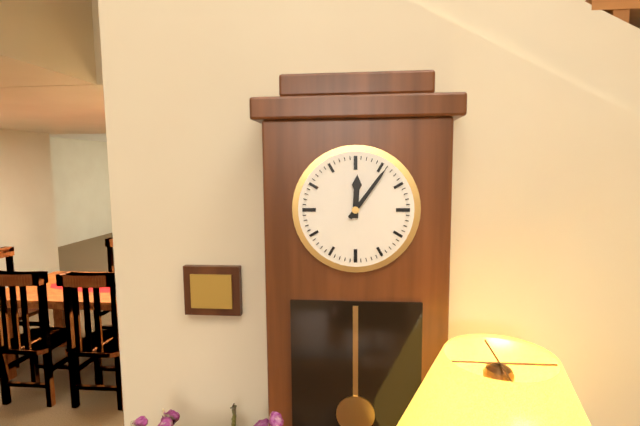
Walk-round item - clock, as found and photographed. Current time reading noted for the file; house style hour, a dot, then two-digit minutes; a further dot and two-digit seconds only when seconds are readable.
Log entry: 12.06
